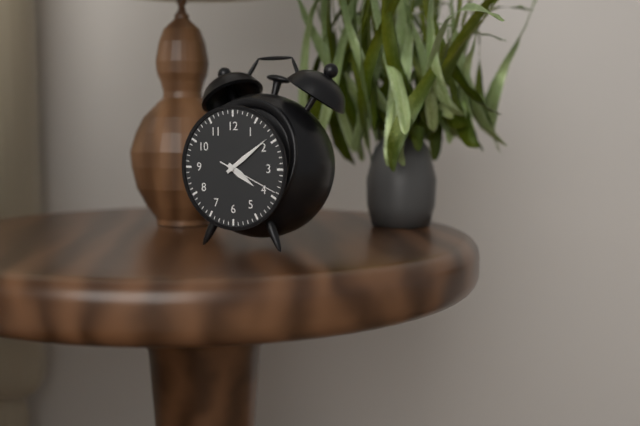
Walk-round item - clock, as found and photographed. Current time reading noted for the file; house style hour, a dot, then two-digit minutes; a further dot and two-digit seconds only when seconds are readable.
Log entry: 4.09.19
